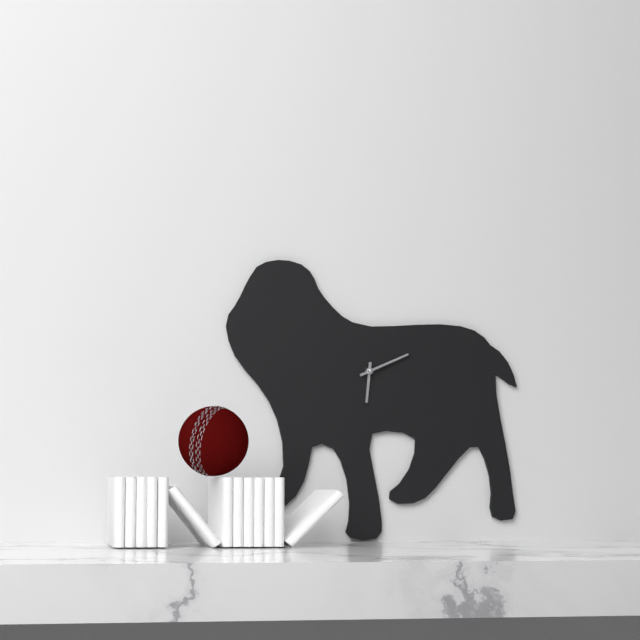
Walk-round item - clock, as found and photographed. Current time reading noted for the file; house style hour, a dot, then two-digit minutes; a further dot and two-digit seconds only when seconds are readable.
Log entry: 6.11
